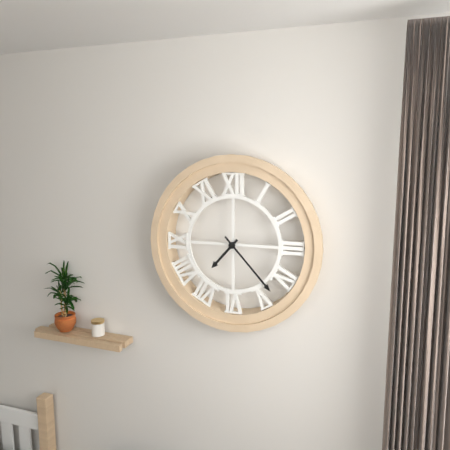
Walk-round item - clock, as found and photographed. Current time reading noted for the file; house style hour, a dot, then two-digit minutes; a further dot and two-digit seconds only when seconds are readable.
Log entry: 7.23
